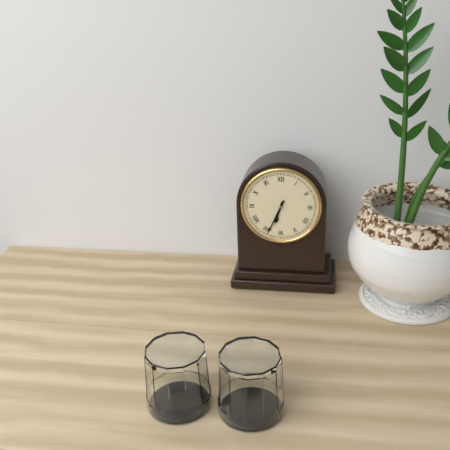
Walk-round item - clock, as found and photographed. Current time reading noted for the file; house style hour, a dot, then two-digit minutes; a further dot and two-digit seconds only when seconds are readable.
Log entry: 6.34
